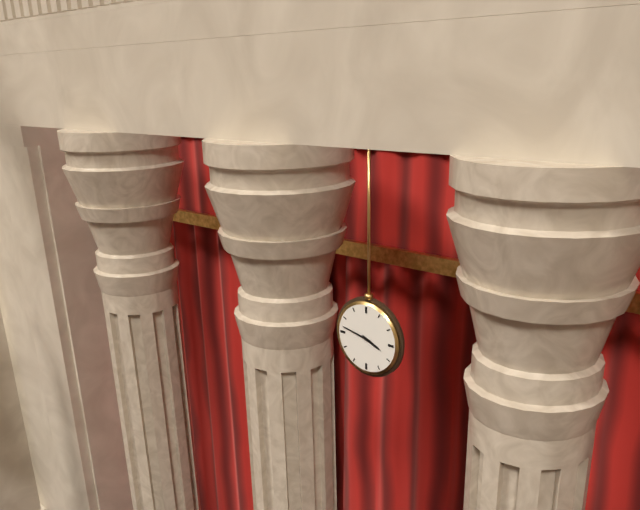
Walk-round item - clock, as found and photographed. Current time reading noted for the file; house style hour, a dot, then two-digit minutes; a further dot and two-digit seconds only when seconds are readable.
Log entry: 3.47
